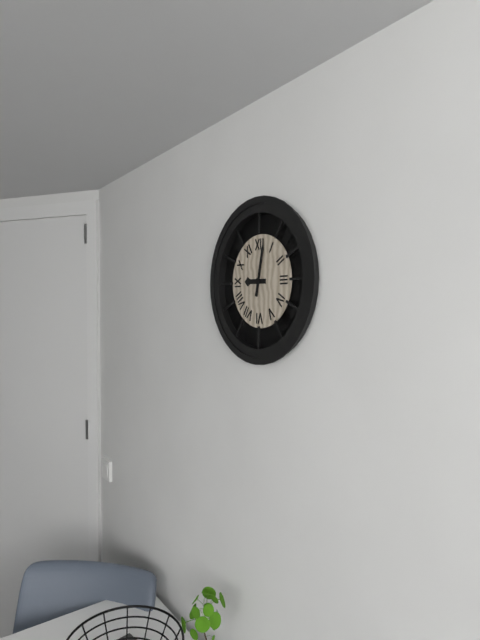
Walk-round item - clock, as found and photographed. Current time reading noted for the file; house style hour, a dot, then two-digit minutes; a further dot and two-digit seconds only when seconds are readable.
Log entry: 9.02
